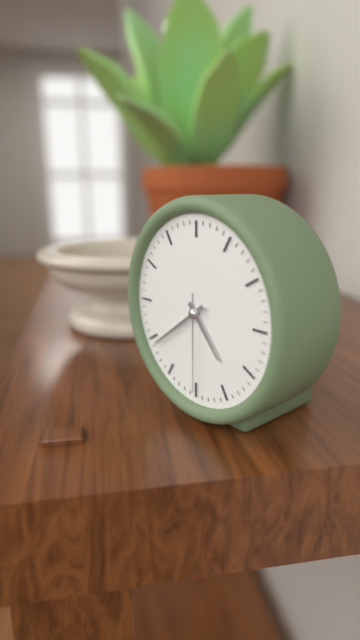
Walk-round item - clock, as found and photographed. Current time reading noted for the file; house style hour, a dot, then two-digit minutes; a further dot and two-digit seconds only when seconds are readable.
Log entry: 4.39.30
